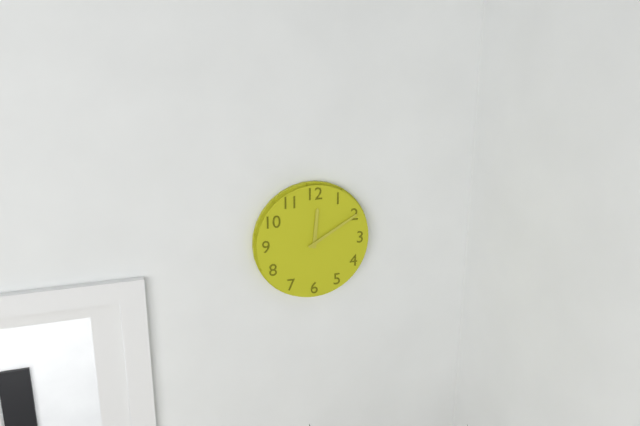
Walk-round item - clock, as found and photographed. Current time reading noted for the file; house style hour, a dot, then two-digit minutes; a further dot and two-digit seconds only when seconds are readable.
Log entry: 12.10
